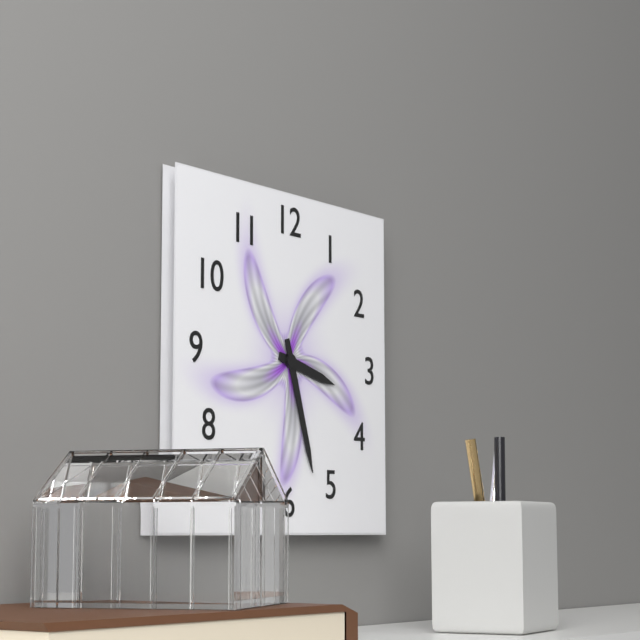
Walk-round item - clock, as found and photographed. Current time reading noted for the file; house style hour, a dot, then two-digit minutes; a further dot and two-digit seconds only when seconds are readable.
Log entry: 3.27
